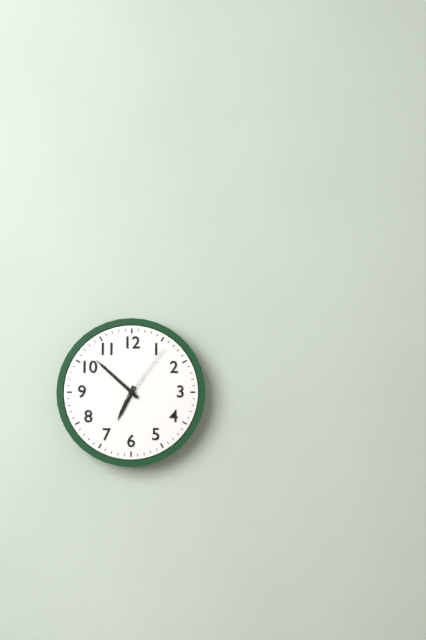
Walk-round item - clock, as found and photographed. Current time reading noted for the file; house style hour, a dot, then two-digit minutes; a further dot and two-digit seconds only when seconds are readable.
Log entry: 6.52.06
